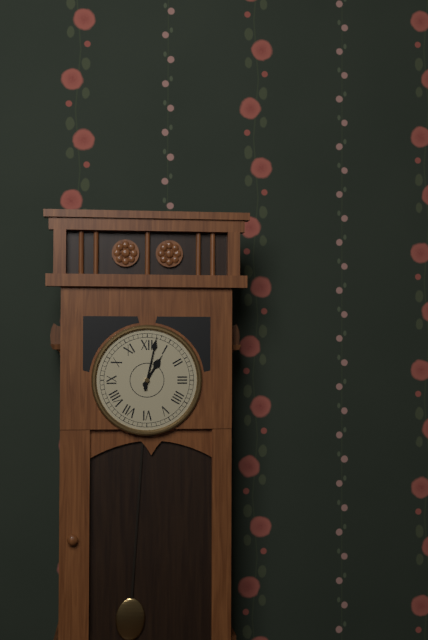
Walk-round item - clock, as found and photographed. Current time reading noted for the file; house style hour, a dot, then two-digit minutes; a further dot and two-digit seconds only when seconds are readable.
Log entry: 1.02
